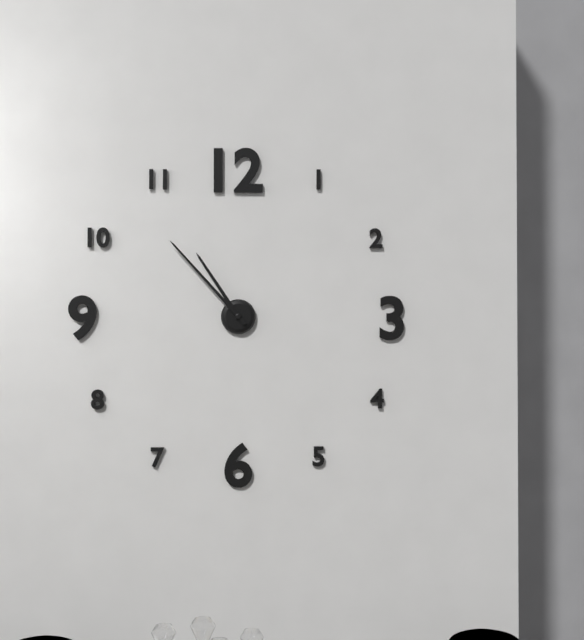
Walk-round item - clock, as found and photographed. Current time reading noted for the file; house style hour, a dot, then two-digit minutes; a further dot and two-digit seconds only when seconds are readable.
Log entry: 10.53
